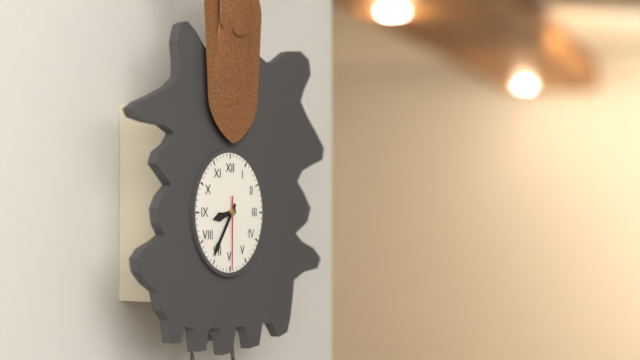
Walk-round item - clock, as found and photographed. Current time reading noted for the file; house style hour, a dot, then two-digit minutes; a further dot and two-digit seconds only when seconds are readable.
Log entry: 8.36.30
